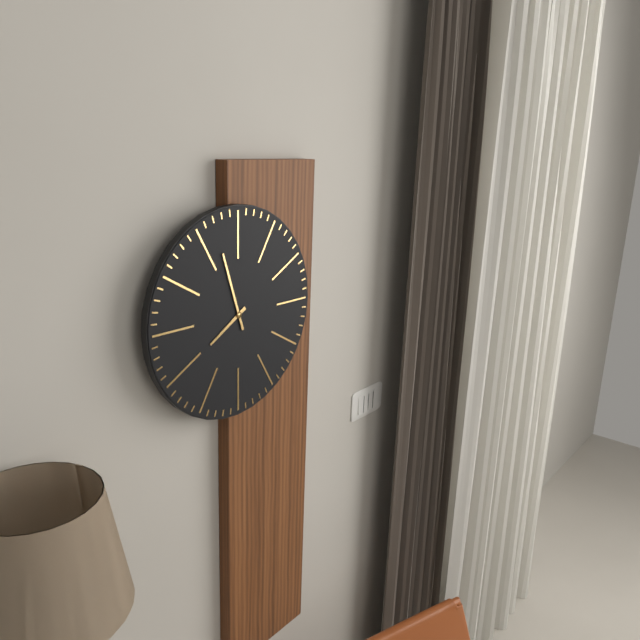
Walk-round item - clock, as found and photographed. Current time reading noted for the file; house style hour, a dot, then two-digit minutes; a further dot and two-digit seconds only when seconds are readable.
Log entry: 7.57
